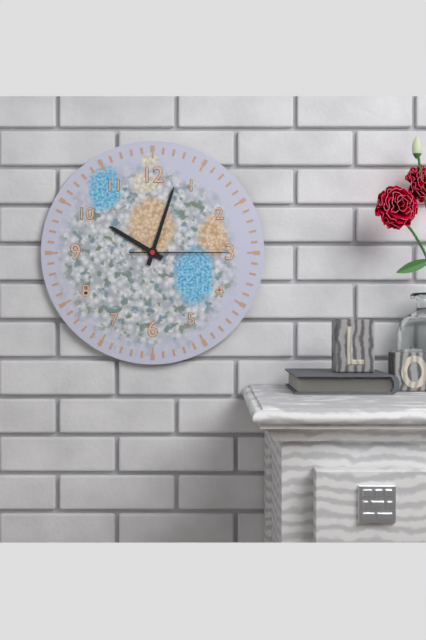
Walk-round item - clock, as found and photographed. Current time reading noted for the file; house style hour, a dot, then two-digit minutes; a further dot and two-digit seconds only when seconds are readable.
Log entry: 10.03.15
